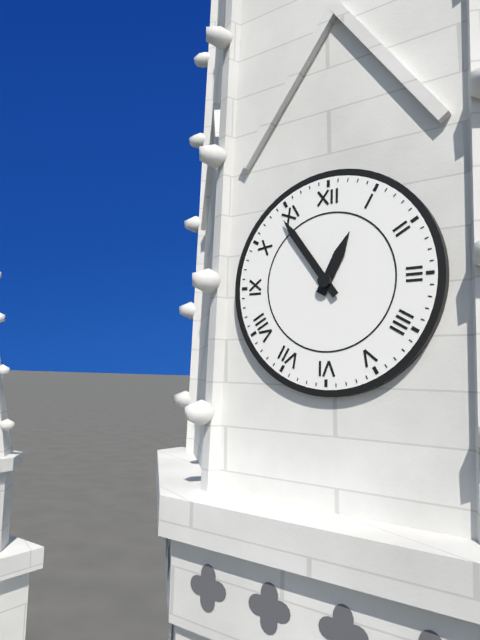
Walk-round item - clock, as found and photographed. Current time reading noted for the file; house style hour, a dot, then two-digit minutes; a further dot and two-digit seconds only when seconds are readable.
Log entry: 12.54
